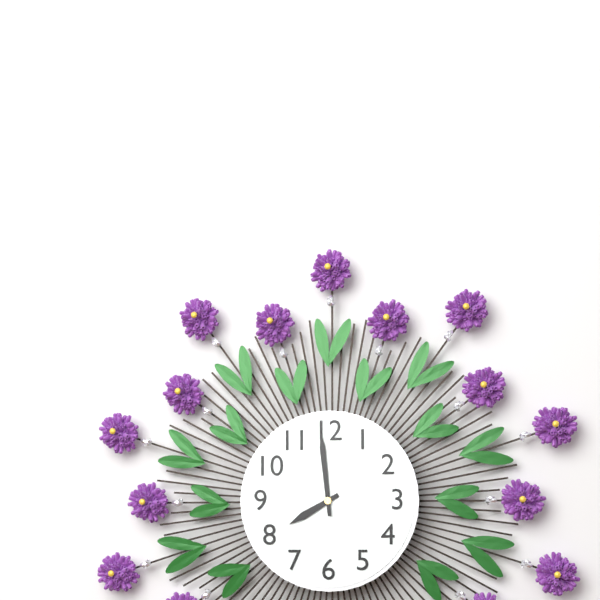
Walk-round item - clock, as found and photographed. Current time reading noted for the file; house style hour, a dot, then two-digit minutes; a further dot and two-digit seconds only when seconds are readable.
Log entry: 7.59
